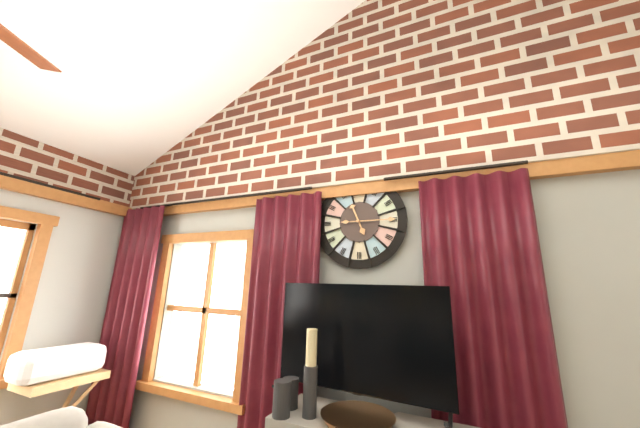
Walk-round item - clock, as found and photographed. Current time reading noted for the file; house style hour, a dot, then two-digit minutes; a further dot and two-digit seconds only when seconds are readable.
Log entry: 11.15
